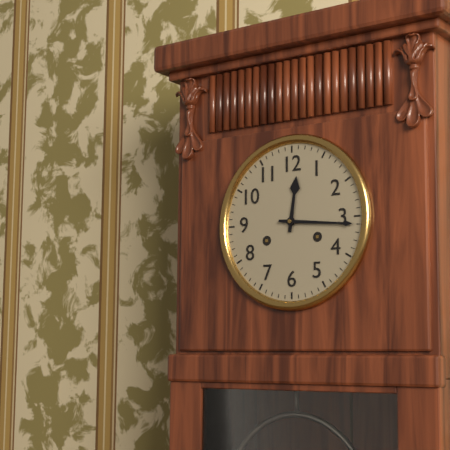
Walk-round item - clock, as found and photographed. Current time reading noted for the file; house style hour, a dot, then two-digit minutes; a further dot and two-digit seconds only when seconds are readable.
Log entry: 12.16
